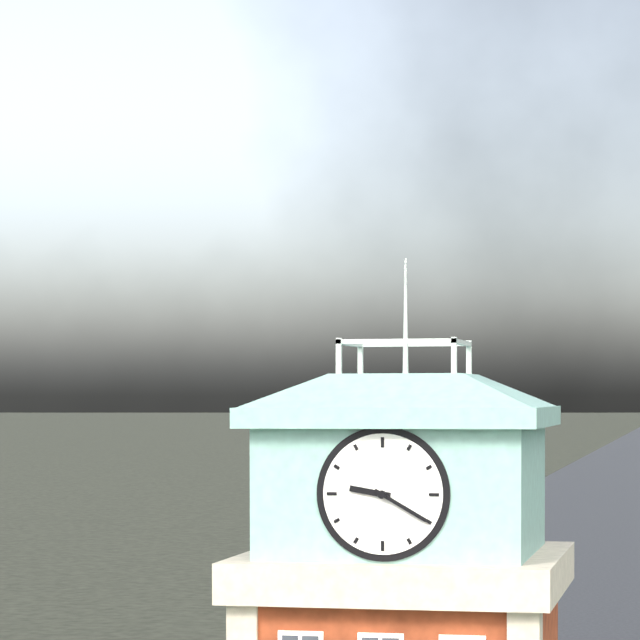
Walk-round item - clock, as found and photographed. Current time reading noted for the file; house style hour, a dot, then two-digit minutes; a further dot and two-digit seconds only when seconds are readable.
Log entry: 9.20
